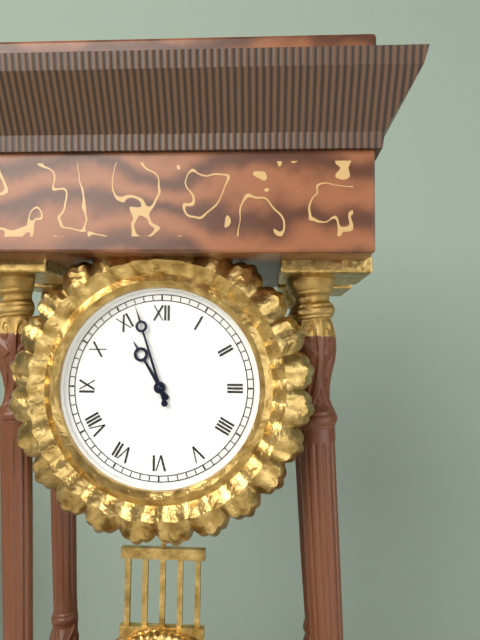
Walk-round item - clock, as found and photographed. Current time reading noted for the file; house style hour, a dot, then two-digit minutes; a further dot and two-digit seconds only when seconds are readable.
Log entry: 10.57
